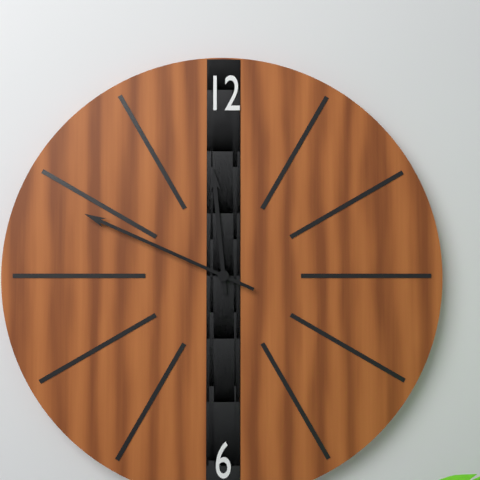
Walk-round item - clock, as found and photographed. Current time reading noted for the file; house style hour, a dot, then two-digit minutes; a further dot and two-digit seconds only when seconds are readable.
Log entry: 11.49
